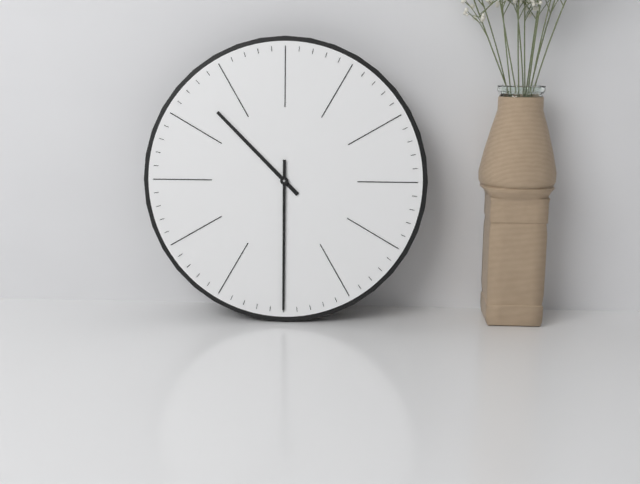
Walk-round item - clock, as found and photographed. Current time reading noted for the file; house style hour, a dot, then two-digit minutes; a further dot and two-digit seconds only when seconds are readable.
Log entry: 10.30
